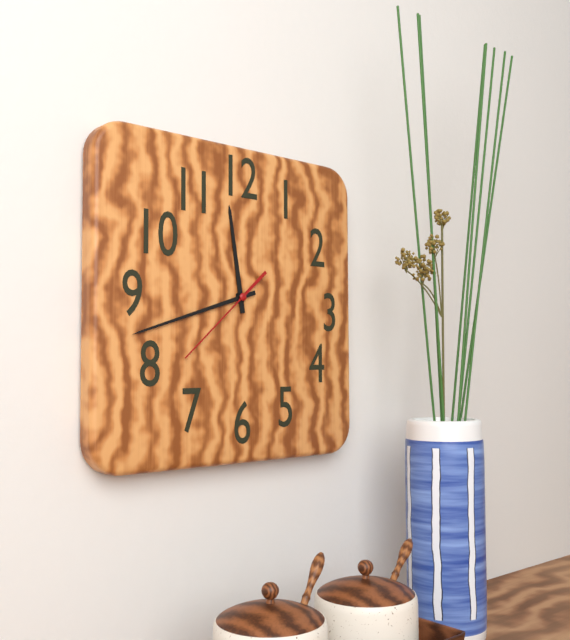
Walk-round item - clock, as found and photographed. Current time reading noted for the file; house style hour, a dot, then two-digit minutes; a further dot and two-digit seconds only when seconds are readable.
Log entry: 11.42.38
